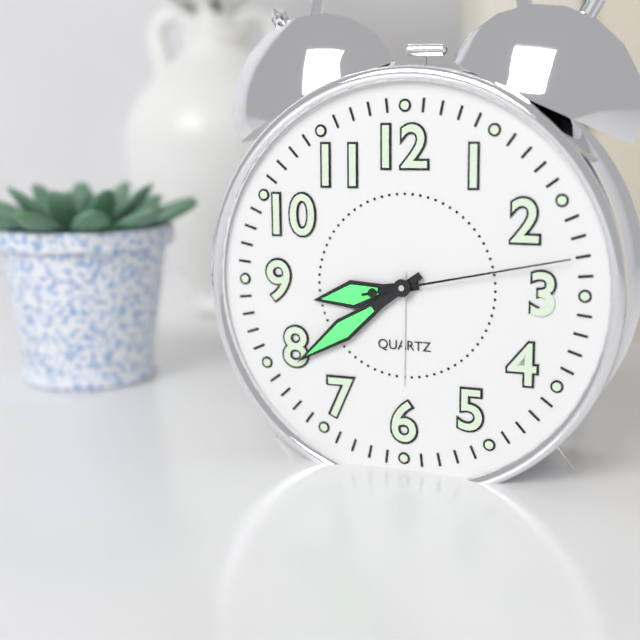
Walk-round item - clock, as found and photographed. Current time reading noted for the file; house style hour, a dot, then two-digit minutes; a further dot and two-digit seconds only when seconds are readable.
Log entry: 8.39.13
